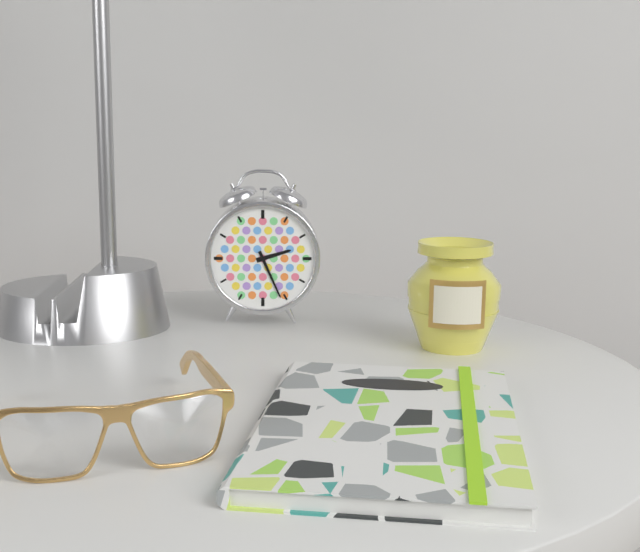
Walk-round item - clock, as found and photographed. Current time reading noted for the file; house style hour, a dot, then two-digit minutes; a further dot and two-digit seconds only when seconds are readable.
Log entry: 2.26
